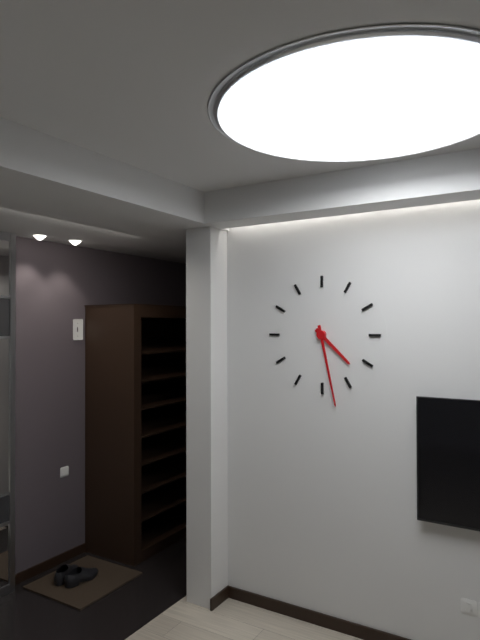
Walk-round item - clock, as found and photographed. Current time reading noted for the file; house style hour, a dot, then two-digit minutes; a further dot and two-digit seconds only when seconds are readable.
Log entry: 4.28
